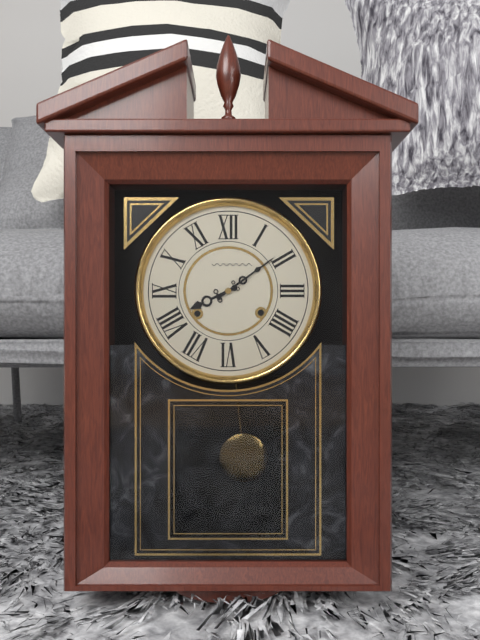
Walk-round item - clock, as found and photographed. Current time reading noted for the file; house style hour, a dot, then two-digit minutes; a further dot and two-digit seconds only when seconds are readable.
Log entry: 8.09
